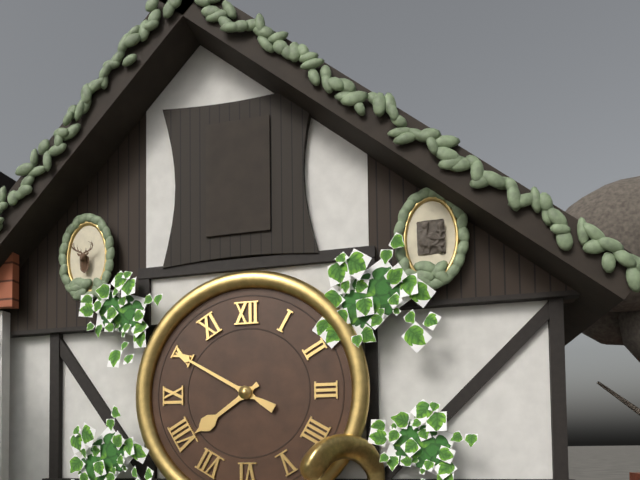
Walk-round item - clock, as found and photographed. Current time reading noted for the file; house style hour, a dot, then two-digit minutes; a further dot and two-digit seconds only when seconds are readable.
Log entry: 7.50
